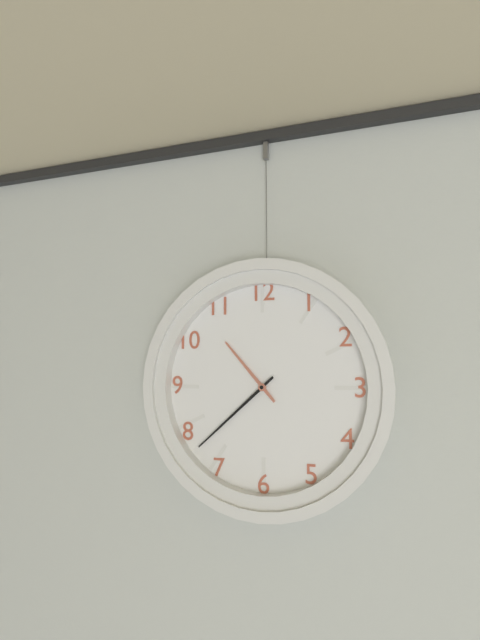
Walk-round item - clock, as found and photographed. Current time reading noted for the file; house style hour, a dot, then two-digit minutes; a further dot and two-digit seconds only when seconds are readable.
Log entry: 10.38
